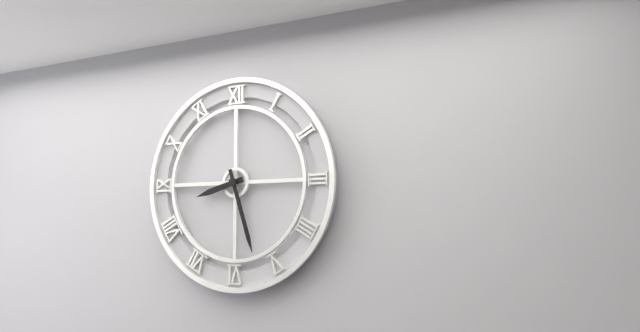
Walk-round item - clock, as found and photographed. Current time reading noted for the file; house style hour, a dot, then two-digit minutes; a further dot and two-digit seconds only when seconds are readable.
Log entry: 8.27
